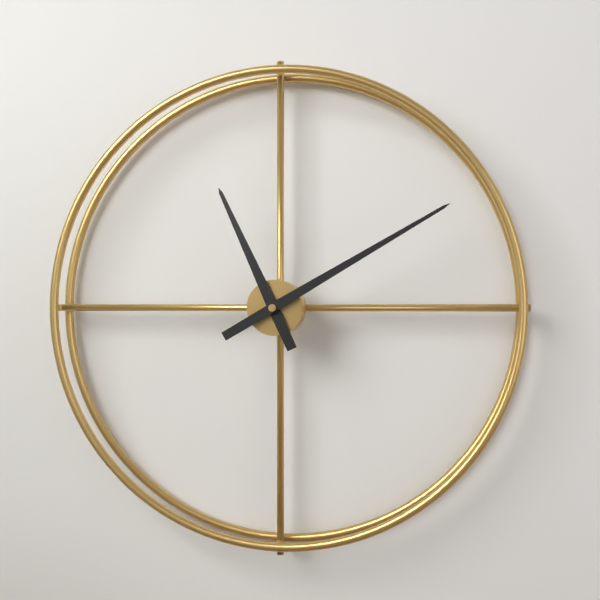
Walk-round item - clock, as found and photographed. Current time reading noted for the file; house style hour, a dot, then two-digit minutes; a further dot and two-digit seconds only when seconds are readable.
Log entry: 11.10
